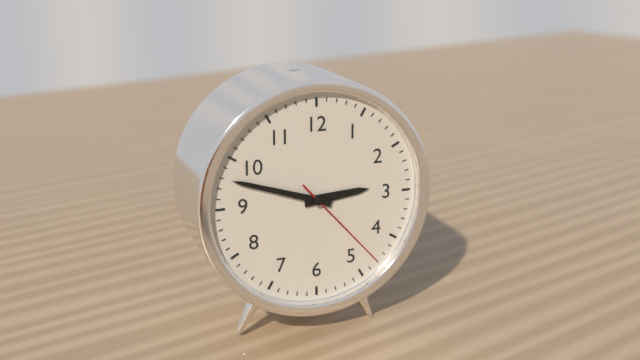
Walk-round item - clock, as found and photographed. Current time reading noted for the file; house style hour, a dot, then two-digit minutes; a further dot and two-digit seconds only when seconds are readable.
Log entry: 2.48.23
